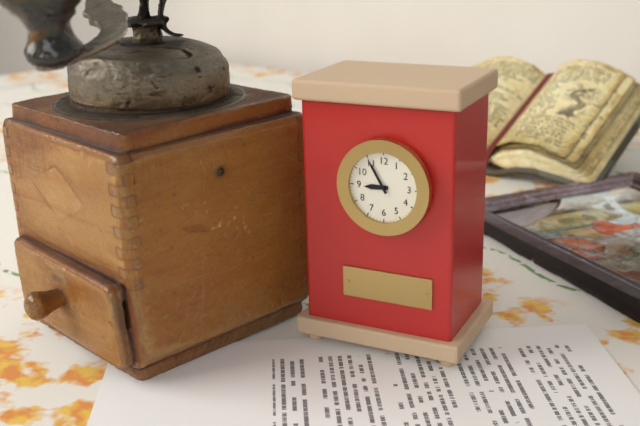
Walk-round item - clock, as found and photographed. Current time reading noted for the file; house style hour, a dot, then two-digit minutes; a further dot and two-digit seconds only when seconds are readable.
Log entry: 8.55
